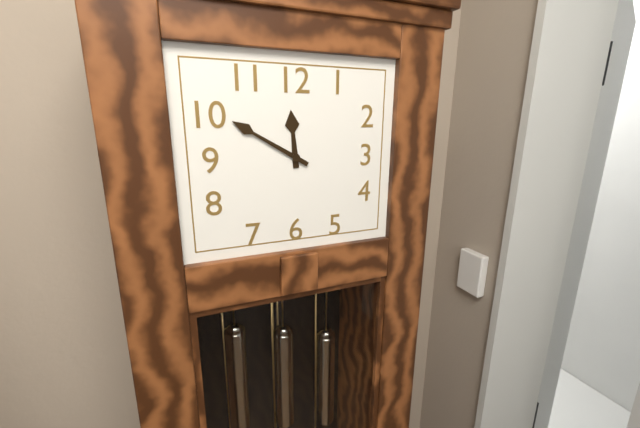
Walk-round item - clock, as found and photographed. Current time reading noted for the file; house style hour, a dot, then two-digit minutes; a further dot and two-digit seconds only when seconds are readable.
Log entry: 11.50
